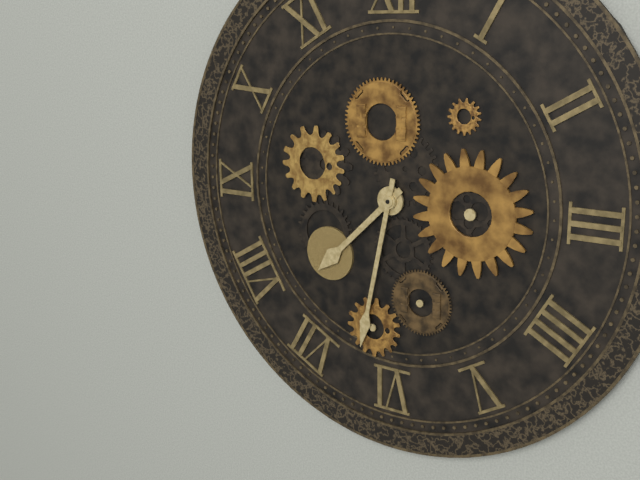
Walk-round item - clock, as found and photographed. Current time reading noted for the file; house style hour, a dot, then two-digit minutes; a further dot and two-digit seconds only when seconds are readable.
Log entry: 7.32
